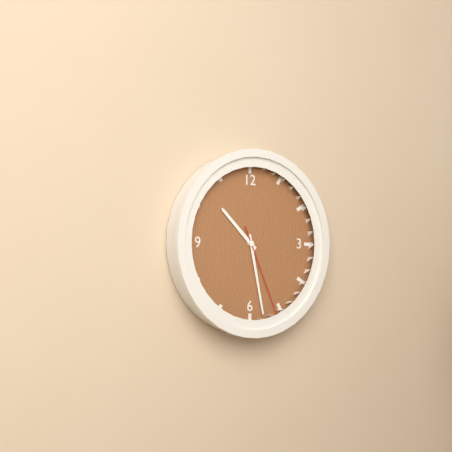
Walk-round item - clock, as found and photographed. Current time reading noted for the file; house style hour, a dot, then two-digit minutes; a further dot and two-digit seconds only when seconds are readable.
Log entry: 10.28.26
